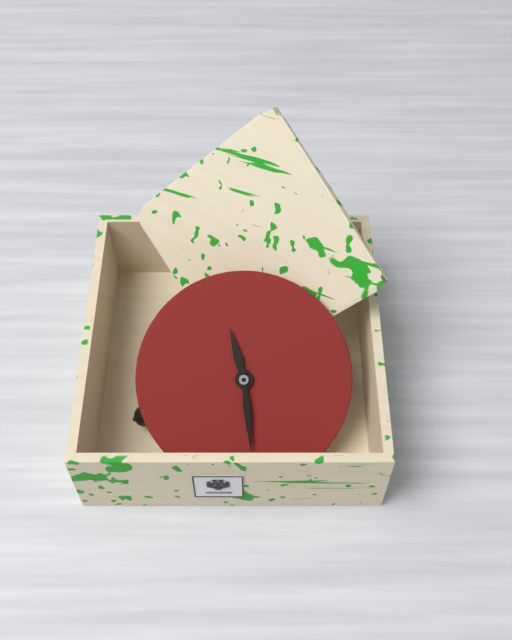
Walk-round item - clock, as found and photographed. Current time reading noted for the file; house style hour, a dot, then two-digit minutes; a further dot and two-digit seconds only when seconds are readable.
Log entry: 11.29
